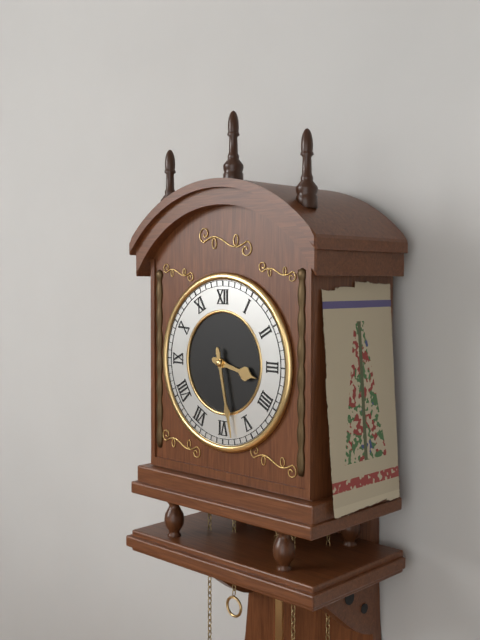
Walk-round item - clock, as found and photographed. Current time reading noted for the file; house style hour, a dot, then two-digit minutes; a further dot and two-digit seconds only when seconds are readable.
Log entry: 3.28
